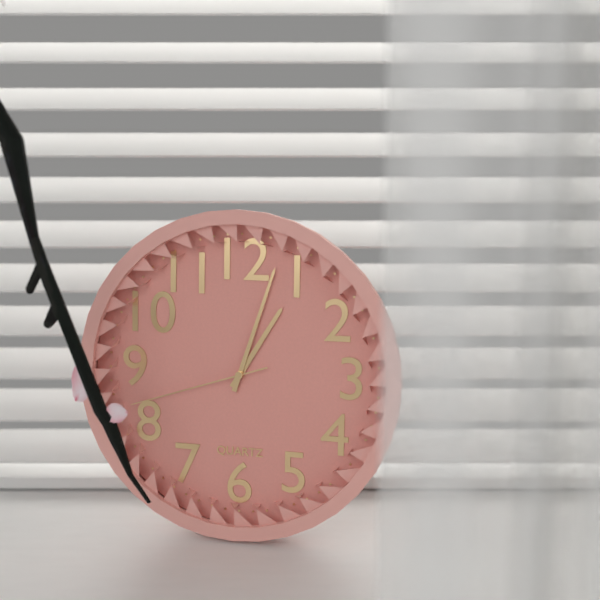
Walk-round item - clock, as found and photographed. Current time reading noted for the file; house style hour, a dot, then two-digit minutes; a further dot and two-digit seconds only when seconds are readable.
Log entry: 1.03.42
